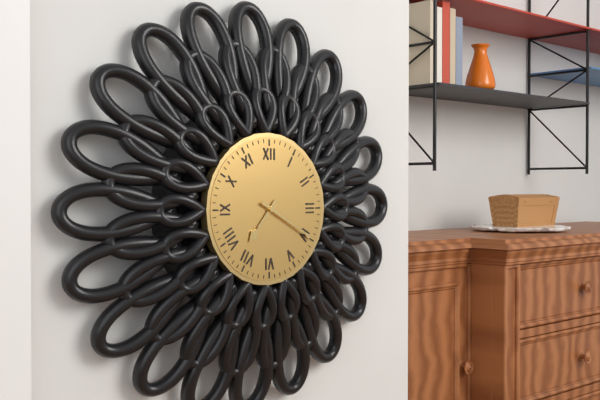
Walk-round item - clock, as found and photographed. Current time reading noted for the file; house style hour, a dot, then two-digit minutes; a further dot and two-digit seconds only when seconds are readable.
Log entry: 7.20
